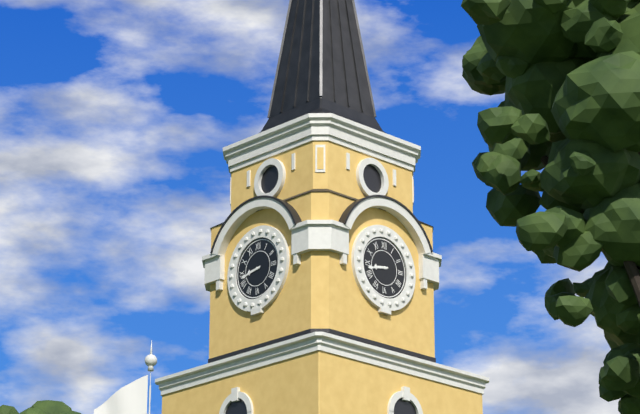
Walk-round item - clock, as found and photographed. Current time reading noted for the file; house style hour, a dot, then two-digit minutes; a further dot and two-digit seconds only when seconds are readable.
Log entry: 8.43
